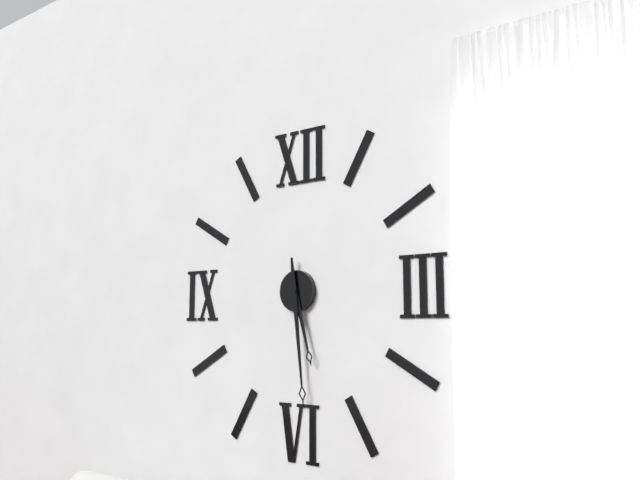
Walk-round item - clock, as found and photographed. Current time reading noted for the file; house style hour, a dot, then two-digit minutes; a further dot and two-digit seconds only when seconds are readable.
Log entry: 5.29
